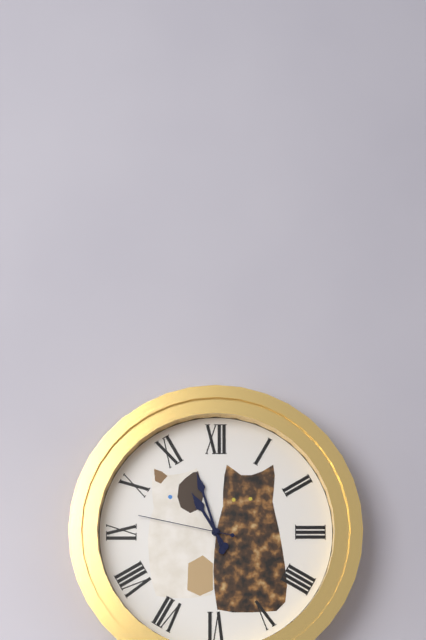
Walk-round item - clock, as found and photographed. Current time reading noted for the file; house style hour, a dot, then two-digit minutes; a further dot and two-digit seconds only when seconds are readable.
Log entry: 10.57.47
